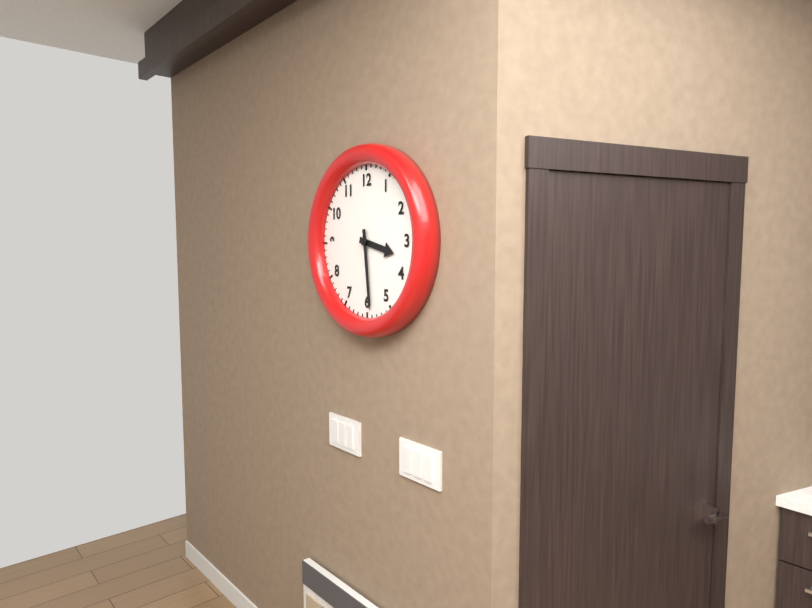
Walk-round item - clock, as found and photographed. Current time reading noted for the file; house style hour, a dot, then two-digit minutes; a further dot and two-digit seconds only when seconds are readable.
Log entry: 3.29
